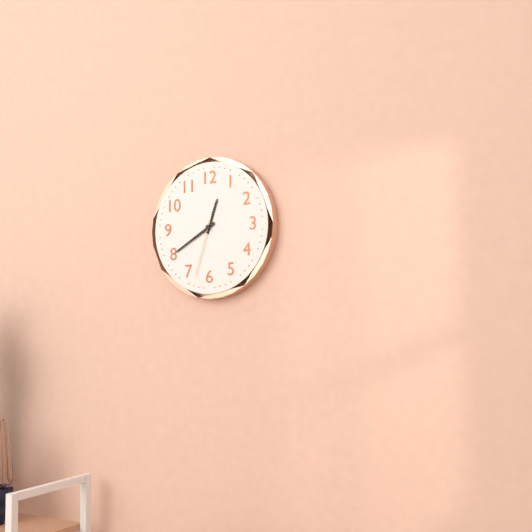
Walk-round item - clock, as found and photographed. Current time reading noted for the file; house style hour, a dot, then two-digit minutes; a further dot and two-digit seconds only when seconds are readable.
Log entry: 12.40.33
